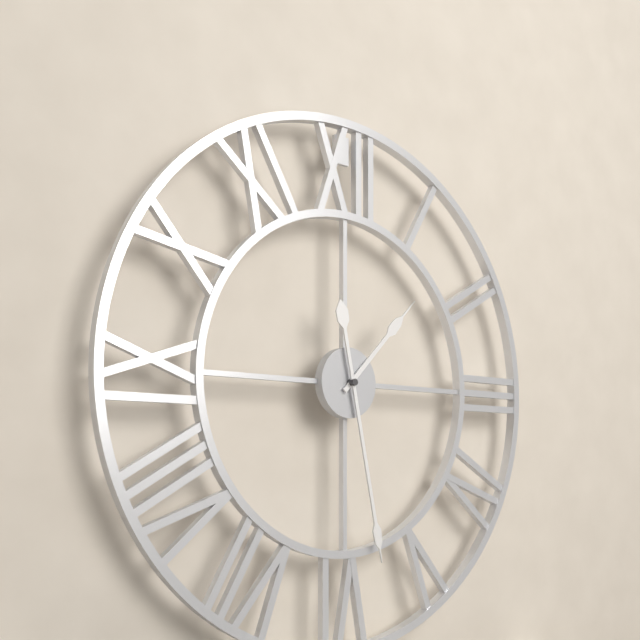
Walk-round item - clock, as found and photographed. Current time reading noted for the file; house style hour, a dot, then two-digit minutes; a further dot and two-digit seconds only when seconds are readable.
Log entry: 1.28
